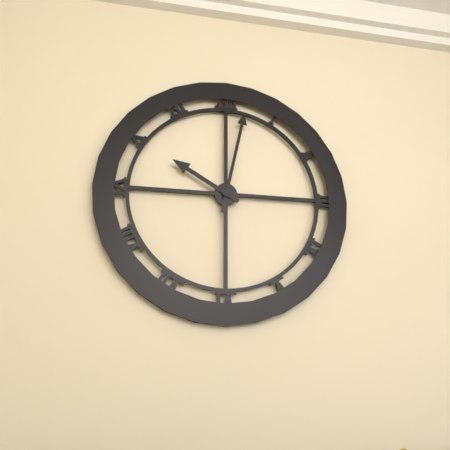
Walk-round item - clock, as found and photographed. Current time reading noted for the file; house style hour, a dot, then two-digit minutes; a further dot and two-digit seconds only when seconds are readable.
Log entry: 10.02
